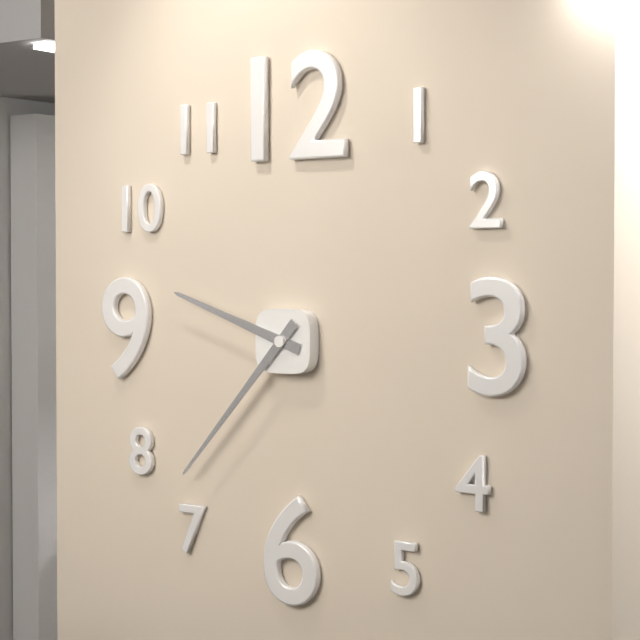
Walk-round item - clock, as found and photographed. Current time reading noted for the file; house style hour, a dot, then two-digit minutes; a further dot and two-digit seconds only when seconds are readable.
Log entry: 9.37
